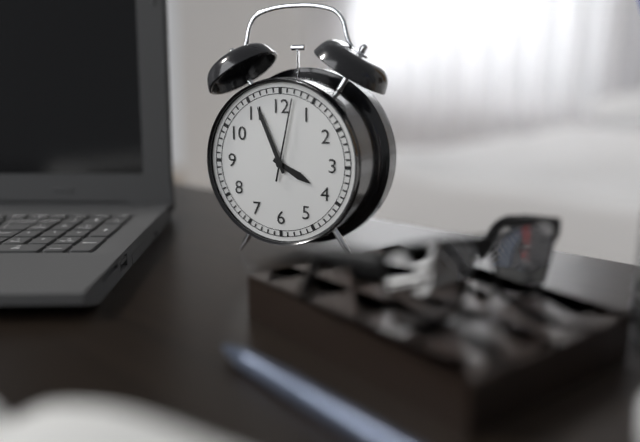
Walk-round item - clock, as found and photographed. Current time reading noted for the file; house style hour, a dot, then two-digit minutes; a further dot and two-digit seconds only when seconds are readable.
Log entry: 3.56.02
